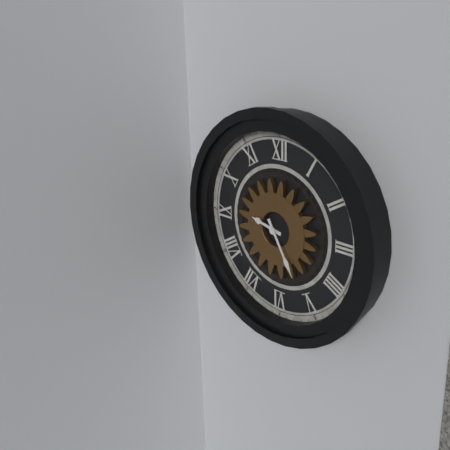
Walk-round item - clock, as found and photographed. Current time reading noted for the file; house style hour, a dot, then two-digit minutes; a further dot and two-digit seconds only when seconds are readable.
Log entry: 9.25
